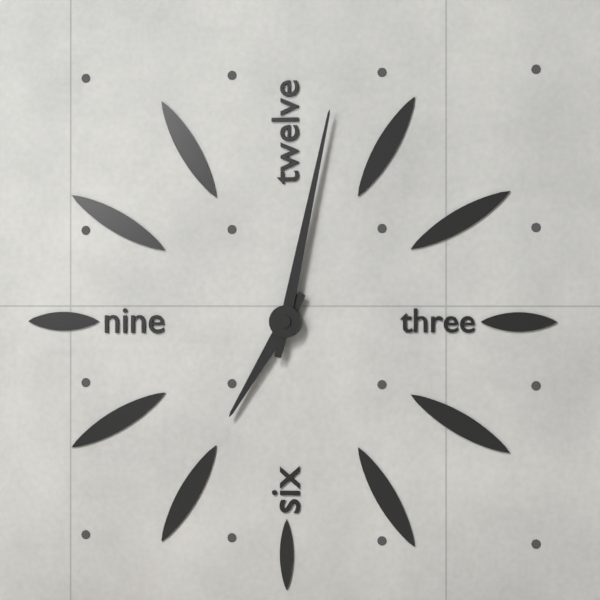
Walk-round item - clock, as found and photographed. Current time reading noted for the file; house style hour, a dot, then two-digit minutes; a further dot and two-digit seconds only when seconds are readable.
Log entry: 7.02
